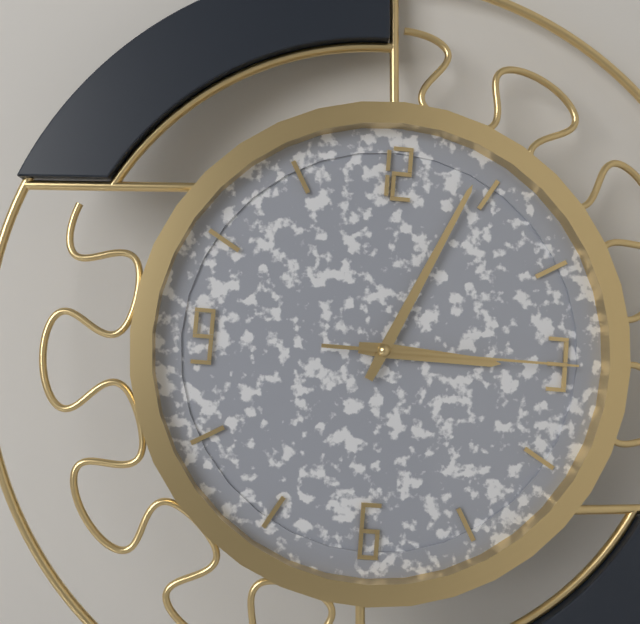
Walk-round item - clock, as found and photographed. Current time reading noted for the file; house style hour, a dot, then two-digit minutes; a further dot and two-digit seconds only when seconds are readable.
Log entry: 3.04.15
